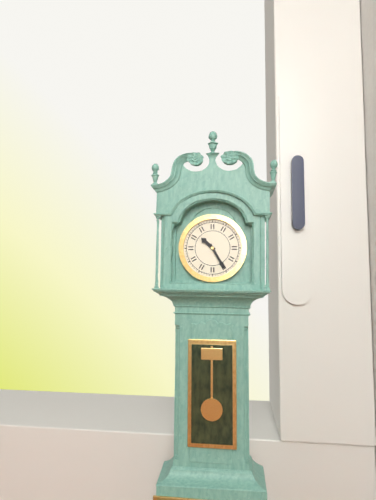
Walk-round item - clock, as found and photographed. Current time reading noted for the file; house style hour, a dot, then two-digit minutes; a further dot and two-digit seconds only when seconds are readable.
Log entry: 10.25
